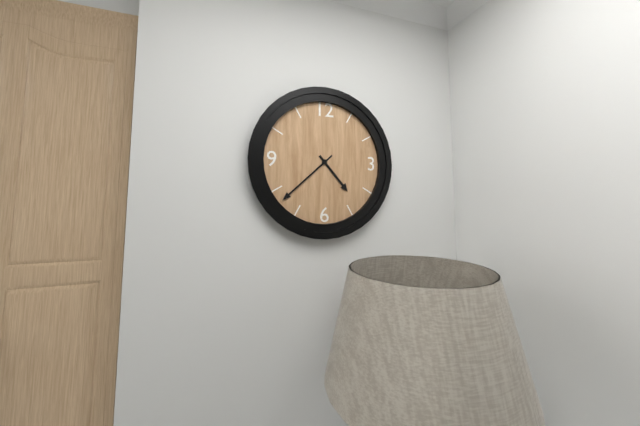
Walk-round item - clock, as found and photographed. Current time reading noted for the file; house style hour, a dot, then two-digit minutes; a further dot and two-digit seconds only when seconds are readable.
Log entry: 4.38
